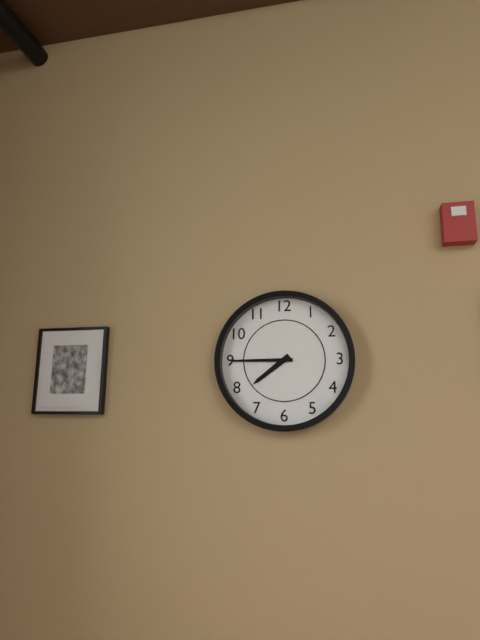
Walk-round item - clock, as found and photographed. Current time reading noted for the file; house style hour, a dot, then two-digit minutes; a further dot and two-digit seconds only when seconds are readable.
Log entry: 7.45
